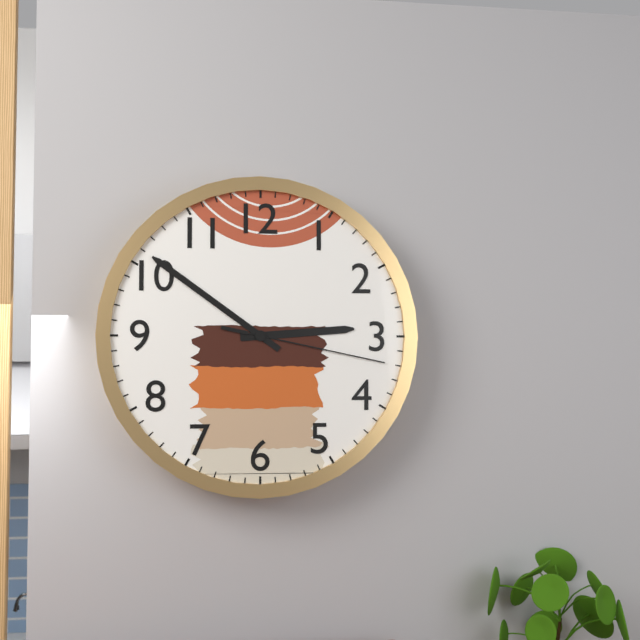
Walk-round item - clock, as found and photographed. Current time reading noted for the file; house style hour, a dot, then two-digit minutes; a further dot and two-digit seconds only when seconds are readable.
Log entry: 2.51.17
